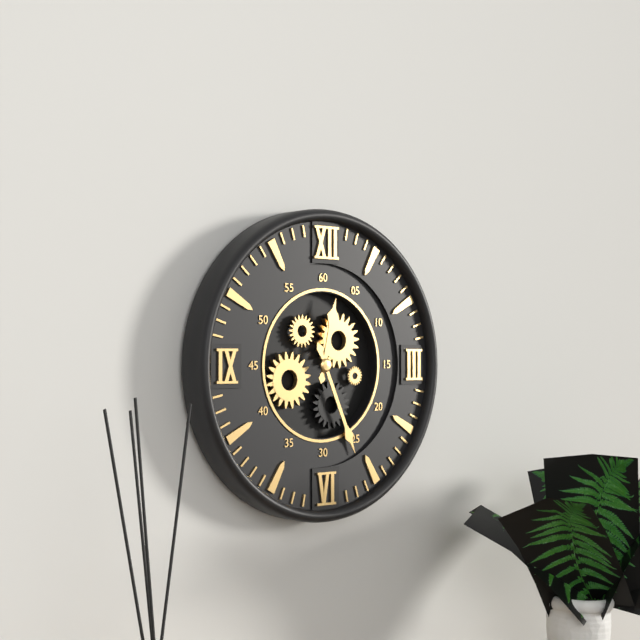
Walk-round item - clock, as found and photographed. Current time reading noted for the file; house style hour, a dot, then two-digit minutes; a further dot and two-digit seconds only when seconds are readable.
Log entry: 12.26
